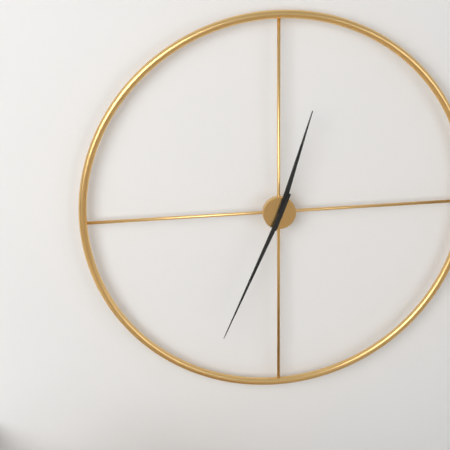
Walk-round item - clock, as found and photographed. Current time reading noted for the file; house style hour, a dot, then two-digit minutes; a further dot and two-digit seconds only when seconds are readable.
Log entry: 12.34
